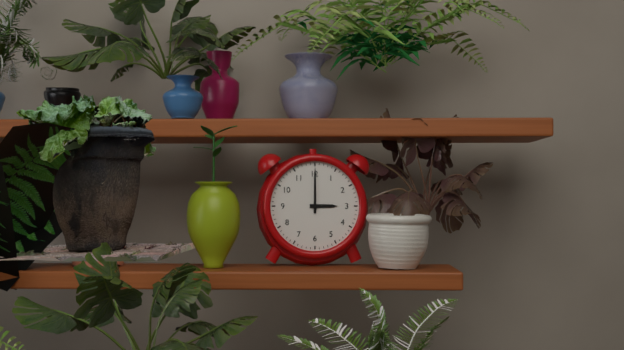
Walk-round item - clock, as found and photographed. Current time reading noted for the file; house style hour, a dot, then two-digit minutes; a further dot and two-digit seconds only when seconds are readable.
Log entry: 3.00
